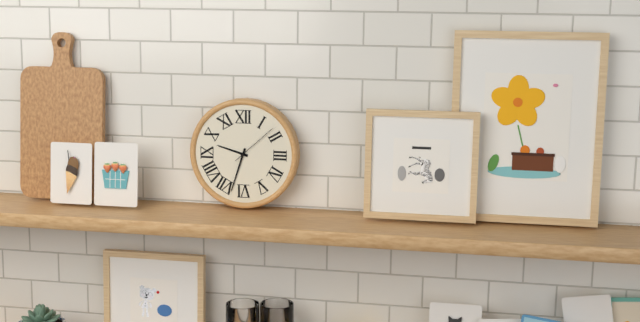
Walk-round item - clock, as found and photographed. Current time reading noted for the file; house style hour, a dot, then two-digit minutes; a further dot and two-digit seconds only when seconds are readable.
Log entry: 9.33.08
